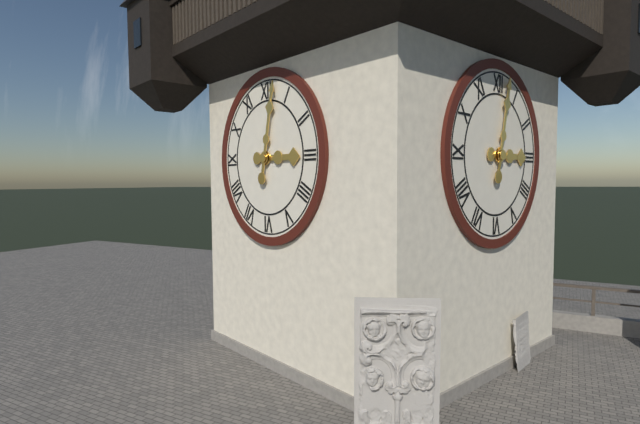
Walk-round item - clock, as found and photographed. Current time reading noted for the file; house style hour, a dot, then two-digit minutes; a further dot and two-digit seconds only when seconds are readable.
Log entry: 3.02
